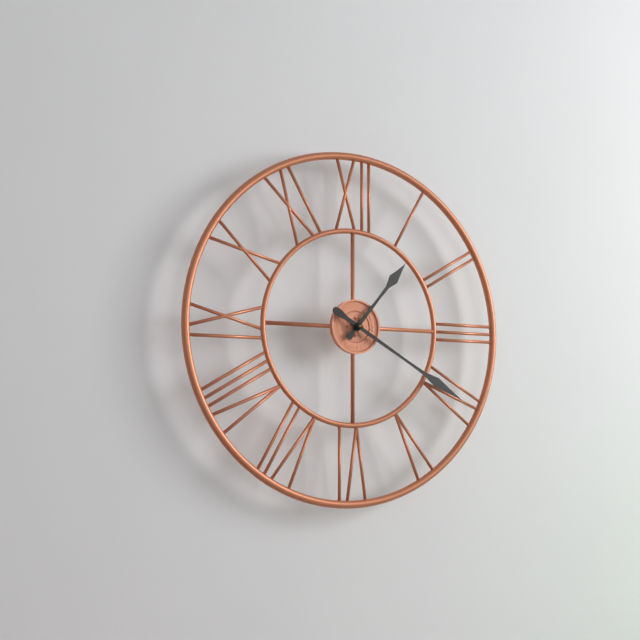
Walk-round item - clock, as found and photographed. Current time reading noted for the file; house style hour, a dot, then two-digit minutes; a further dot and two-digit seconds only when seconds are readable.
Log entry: 1.20
